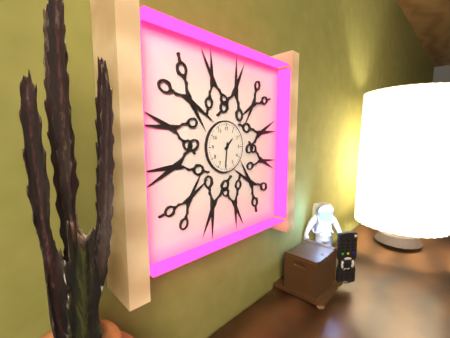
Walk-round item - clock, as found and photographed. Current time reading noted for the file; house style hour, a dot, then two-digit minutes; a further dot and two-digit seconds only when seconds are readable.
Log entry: 1.31
